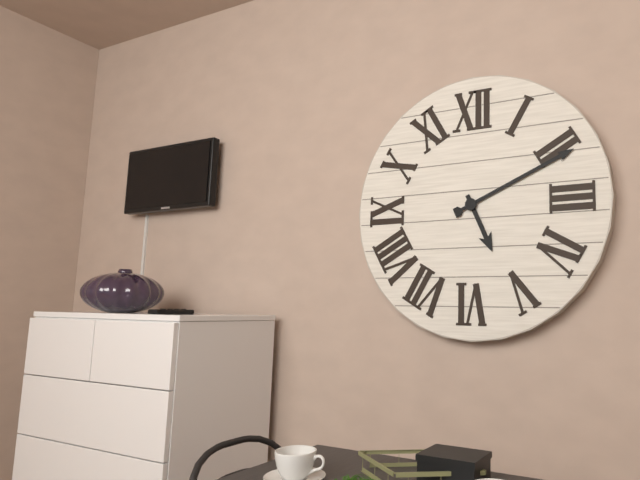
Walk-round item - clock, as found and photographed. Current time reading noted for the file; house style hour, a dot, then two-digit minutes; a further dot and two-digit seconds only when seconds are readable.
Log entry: 5.11
